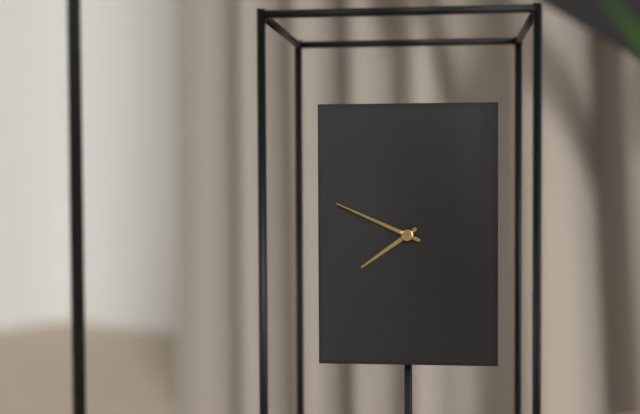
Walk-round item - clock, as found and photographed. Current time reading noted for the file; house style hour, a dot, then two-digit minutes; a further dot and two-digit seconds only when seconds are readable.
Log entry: 7.49
